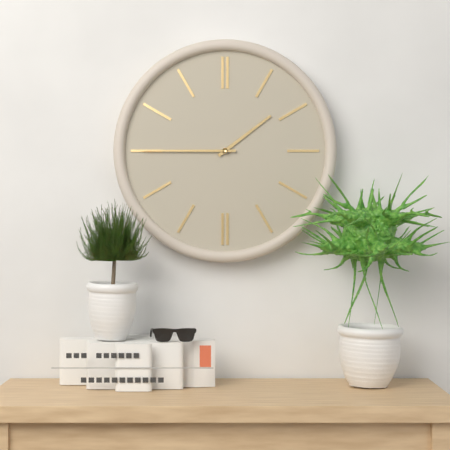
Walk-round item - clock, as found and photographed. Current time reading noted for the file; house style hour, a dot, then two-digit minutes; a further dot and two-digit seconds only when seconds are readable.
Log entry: 1.45
